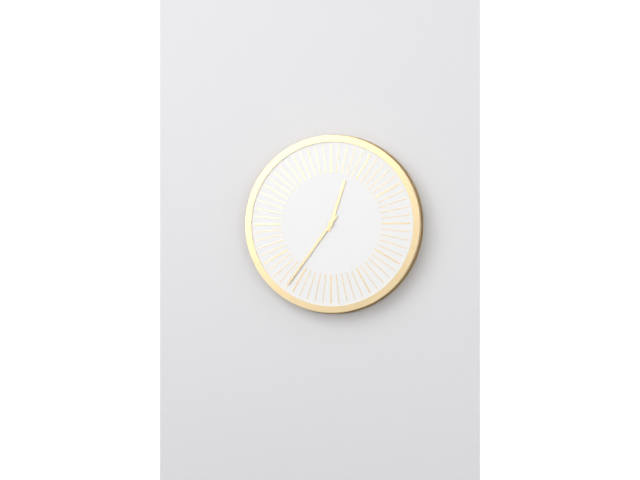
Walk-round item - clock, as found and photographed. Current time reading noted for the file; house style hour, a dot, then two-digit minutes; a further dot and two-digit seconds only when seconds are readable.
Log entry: 12.36
